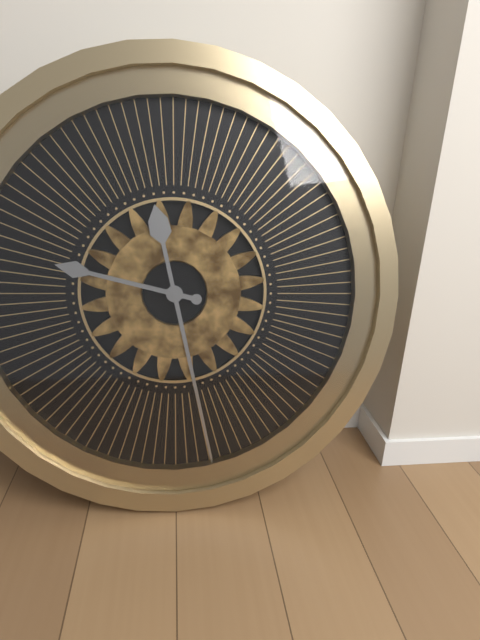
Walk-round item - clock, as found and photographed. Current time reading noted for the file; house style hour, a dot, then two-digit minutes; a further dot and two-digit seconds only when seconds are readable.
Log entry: 9.28
